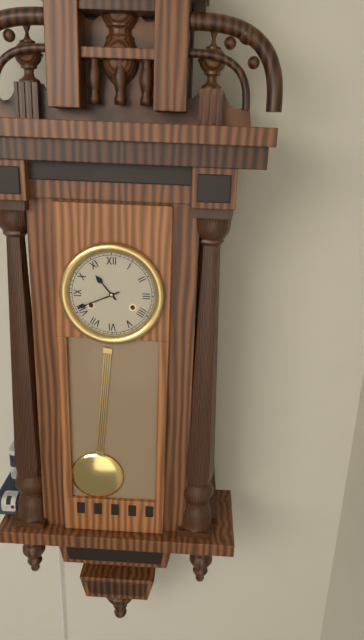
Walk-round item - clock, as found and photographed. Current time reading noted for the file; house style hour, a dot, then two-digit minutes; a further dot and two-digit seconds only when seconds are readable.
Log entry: 10.41
